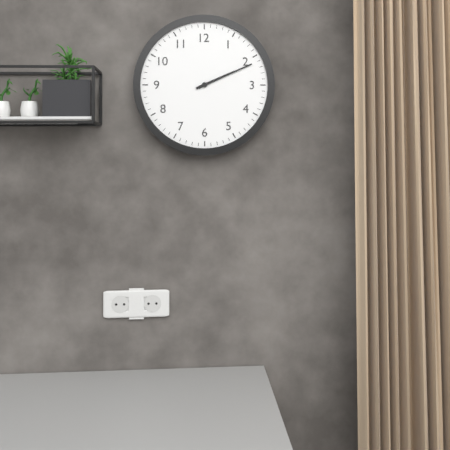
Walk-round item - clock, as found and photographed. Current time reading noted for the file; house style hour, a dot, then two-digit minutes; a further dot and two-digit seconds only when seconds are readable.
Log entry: 2.11
